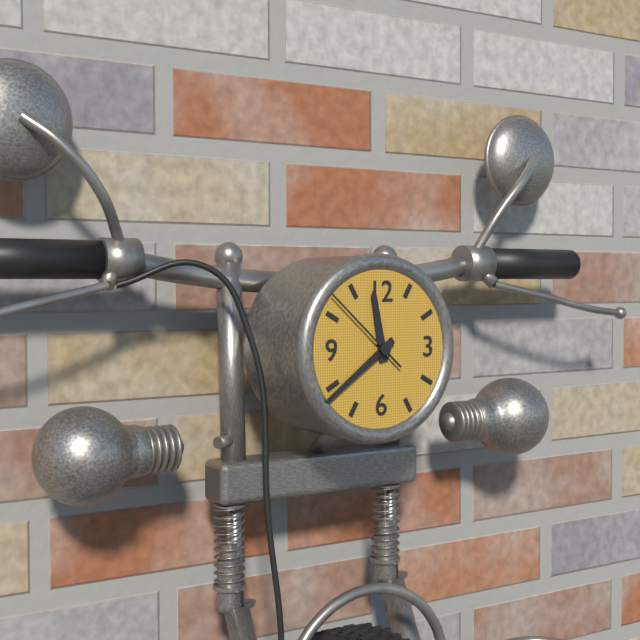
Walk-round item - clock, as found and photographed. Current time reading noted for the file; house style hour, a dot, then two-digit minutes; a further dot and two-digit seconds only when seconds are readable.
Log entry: 11.39.52
